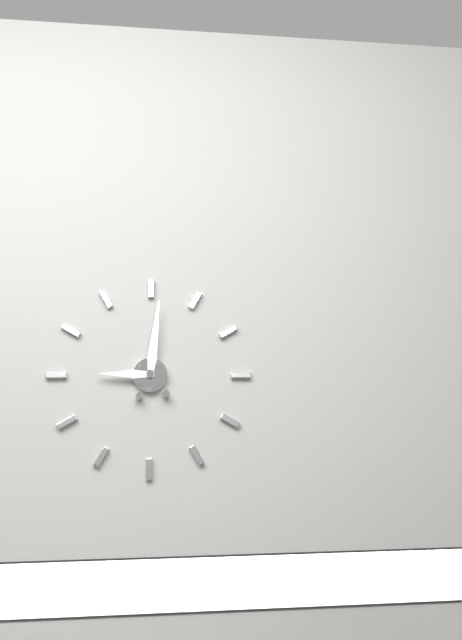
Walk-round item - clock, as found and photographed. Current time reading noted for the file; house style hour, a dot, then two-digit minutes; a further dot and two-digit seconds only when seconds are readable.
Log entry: 9.01
